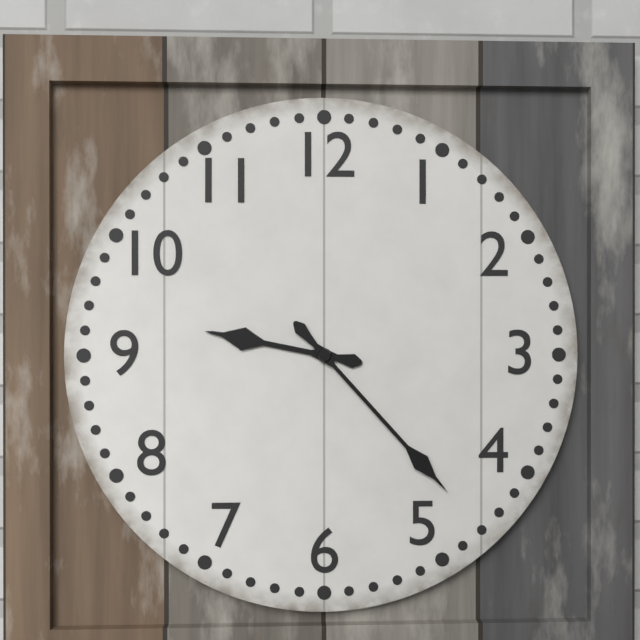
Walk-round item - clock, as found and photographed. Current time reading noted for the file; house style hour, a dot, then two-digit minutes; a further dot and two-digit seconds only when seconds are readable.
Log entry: 9.23
